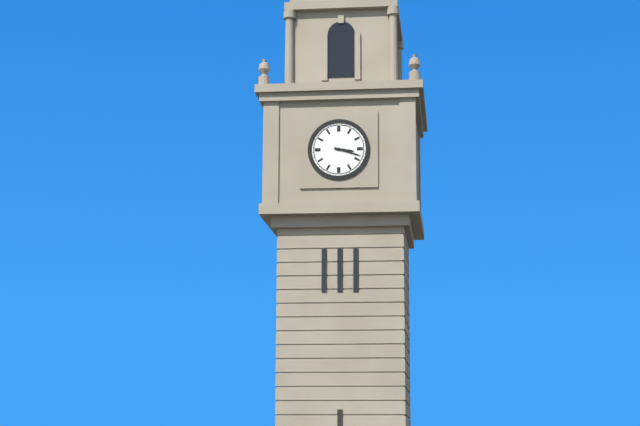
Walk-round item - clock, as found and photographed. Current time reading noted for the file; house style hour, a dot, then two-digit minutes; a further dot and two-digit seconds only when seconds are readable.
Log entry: 3.18
